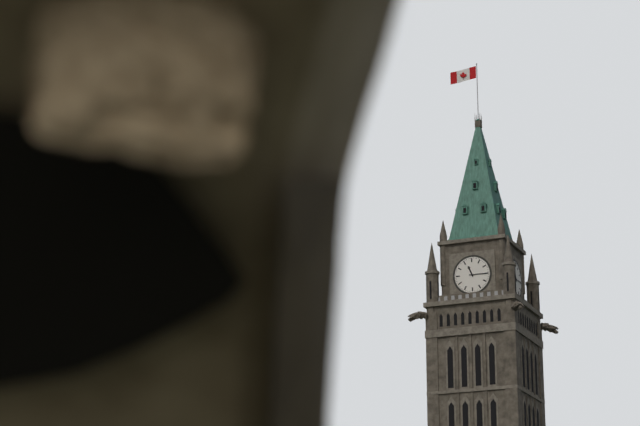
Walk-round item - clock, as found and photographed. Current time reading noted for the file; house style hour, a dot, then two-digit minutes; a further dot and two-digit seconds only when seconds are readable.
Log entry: 11.15
